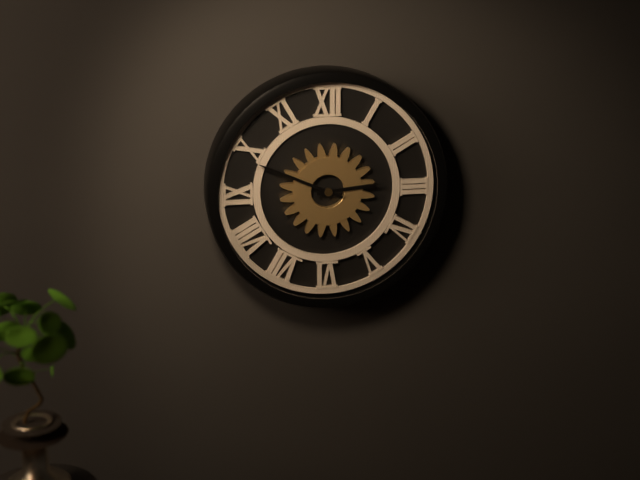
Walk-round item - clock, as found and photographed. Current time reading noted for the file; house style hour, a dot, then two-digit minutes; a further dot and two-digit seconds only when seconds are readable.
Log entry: 2.49
